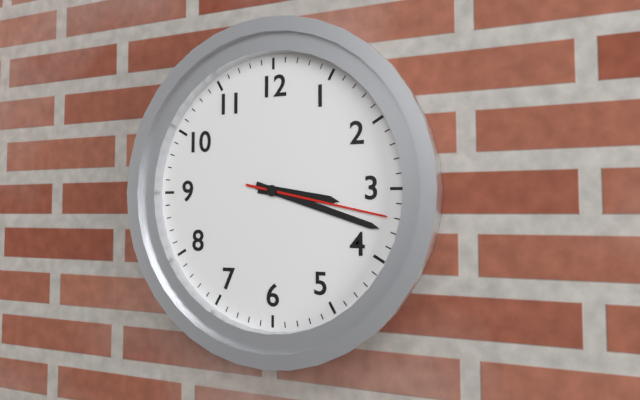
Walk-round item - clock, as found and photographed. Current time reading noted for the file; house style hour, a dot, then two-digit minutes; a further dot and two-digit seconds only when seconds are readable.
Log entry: 3.18.17
